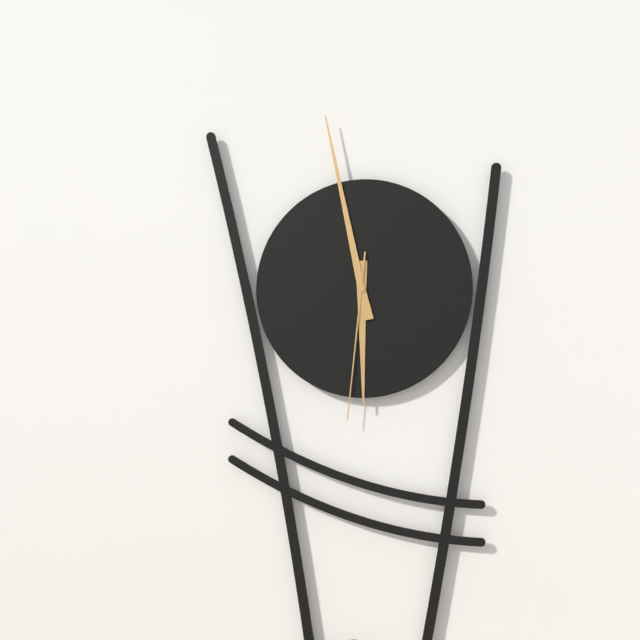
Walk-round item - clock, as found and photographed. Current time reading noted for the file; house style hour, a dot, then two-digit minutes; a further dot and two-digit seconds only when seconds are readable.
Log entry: 5.58.31
